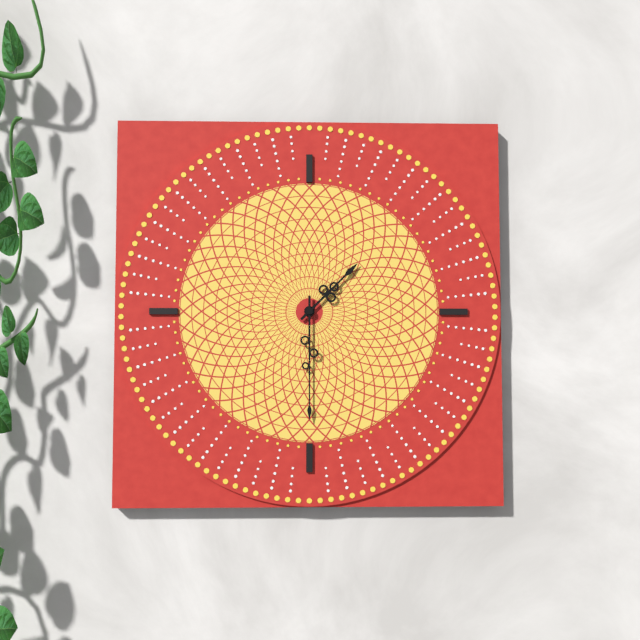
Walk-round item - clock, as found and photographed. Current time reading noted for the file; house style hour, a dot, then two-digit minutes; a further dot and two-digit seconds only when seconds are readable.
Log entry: 1.30
